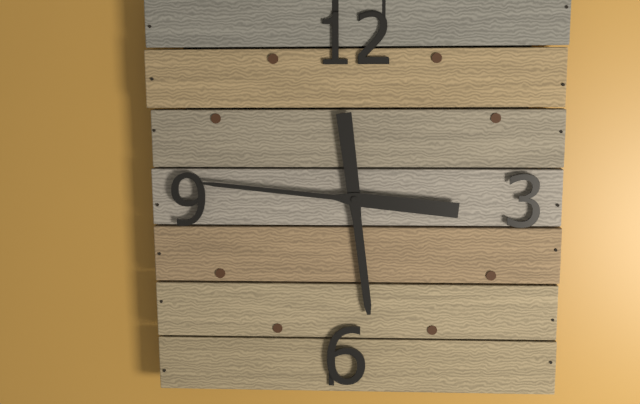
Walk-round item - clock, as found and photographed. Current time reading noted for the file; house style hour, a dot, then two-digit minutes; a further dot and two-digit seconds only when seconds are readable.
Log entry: 5.46
